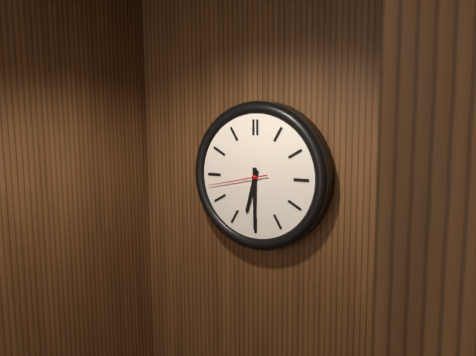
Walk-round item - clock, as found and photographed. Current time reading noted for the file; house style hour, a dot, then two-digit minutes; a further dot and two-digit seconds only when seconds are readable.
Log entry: 6.30.43
